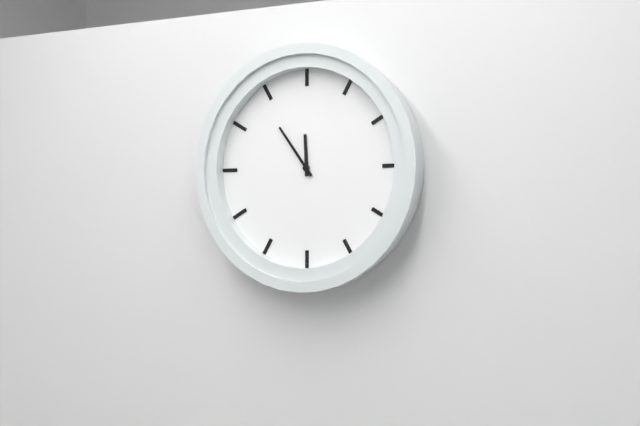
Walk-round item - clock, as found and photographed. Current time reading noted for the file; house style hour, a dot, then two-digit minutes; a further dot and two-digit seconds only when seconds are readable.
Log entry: 11.54
